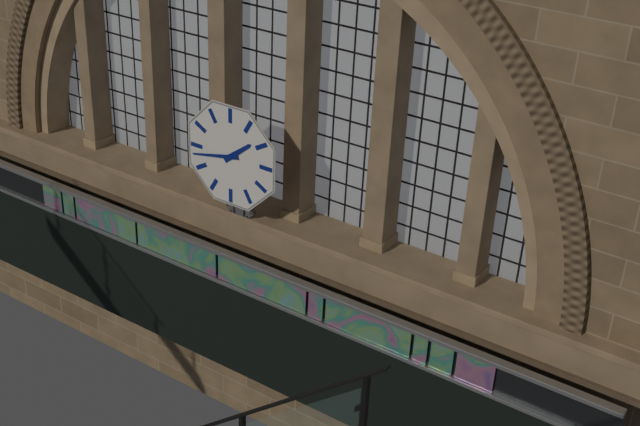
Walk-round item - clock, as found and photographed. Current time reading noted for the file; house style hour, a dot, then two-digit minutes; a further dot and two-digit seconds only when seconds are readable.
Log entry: 1.43
